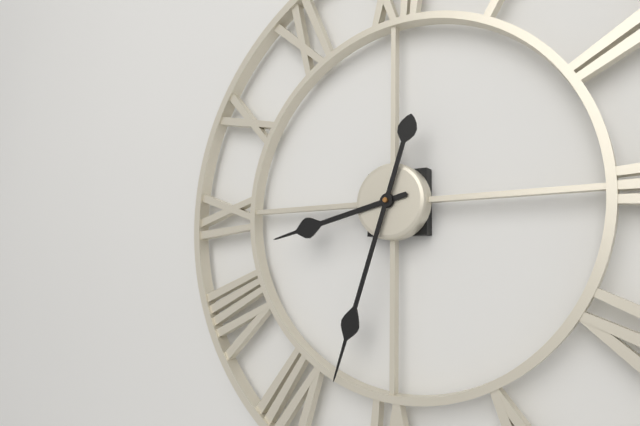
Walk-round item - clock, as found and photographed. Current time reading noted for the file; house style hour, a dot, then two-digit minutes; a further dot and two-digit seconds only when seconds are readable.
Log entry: 8.33
